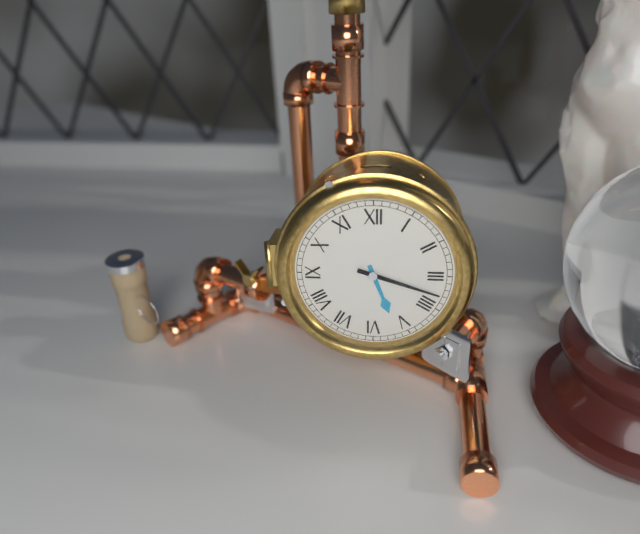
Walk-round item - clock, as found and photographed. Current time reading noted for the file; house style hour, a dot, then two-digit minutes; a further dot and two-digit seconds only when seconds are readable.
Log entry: 5.18
